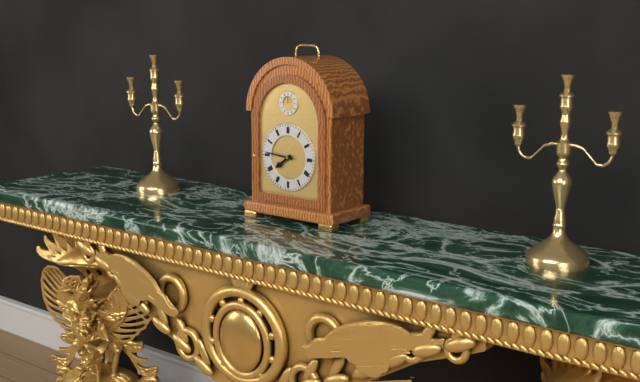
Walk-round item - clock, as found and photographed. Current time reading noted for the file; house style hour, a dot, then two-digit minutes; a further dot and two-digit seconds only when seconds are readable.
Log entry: 7.46
